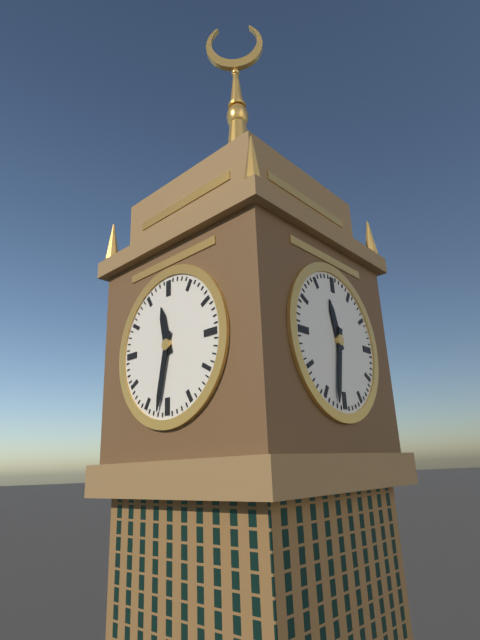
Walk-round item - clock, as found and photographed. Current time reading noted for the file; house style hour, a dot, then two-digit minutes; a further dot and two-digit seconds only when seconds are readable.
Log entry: 11.32
